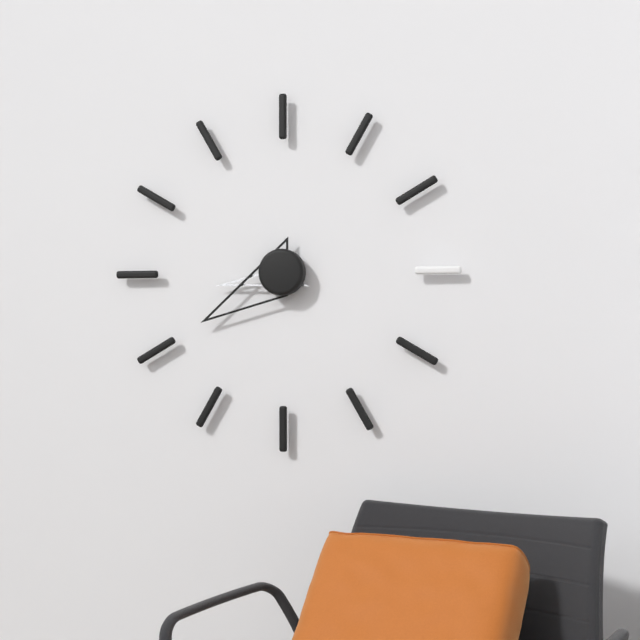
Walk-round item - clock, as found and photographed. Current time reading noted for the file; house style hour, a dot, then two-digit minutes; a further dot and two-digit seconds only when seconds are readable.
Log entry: 8.40
